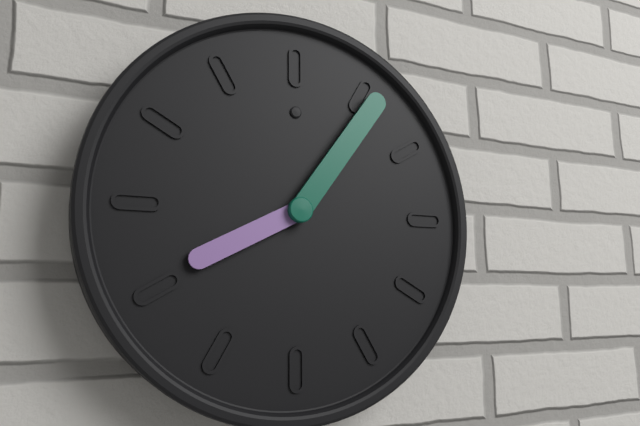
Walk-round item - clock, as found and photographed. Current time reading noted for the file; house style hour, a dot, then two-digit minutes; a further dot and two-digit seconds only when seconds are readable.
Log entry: 8.06
